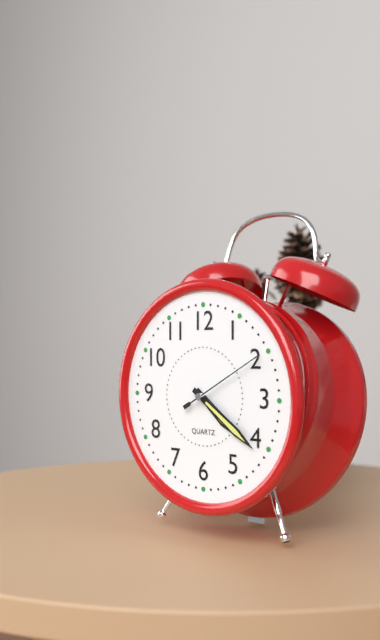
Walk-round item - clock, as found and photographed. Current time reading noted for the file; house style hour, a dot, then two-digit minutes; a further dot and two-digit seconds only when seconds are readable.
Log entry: 4.21.10
